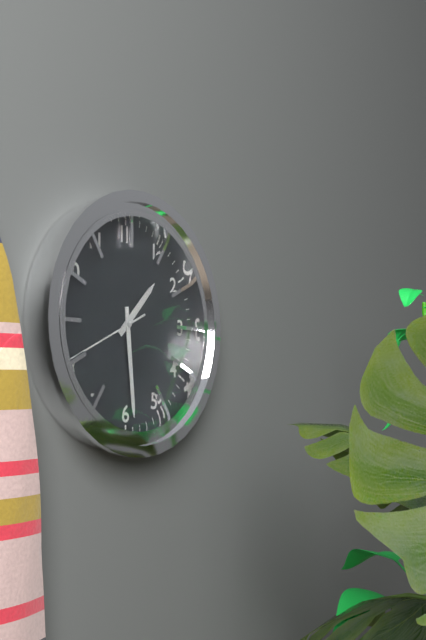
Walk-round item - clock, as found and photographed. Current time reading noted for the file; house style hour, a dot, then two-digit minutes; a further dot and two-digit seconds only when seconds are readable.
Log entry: 1.29
